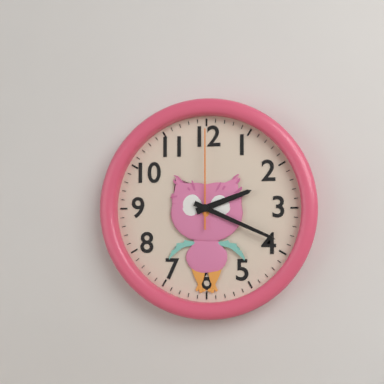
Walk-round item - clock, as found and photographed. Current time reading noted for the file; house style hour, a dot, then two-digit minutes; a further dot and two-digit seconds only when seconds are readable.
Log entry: 2.19.00
